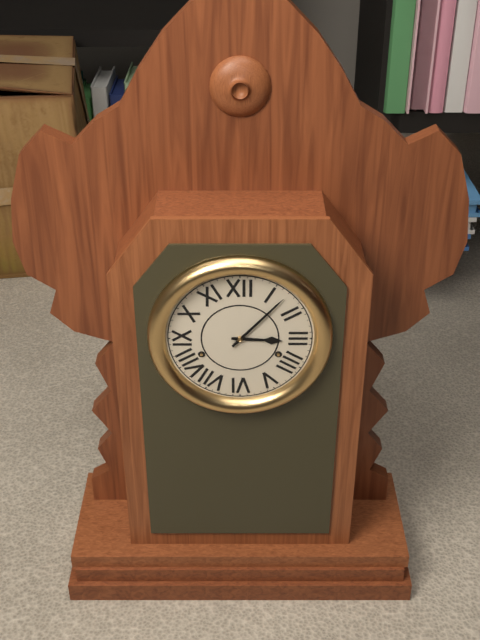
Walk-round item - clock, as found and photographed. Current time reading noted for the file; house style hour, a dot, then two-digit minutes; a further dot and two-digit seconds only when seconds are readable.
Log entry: 3.07
